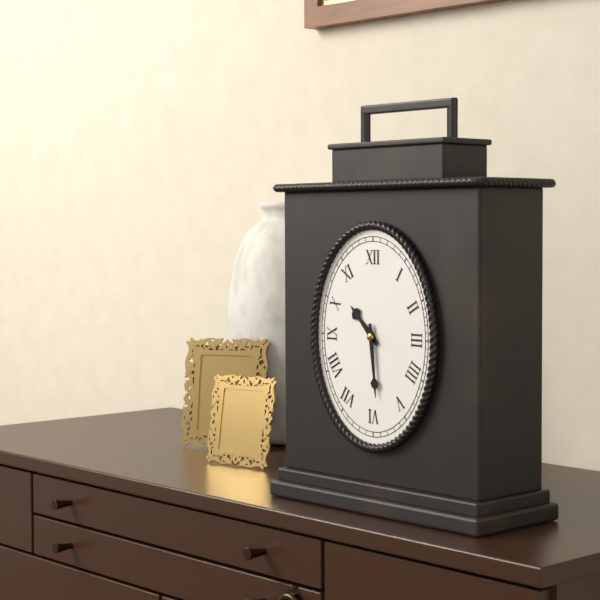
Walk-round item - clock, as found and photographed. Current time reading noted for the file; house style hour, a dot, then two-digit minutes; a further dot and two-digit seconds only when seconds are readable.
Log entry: 10.29
